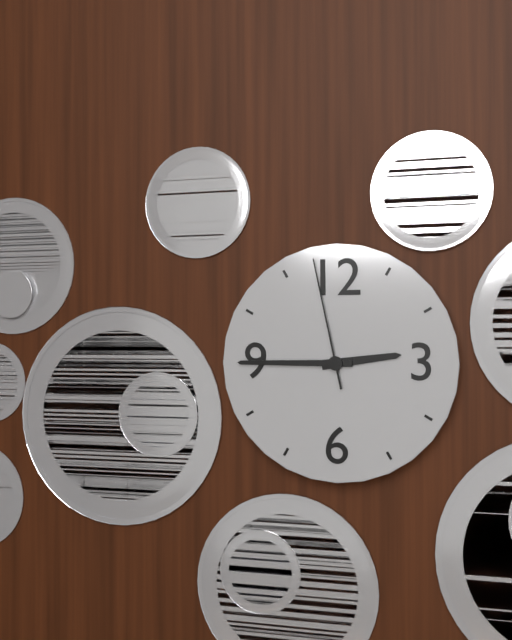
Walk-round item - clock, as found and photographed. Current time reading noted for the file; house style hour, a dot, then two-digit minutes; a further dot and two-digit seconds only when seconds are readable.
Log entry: 2.45.58
